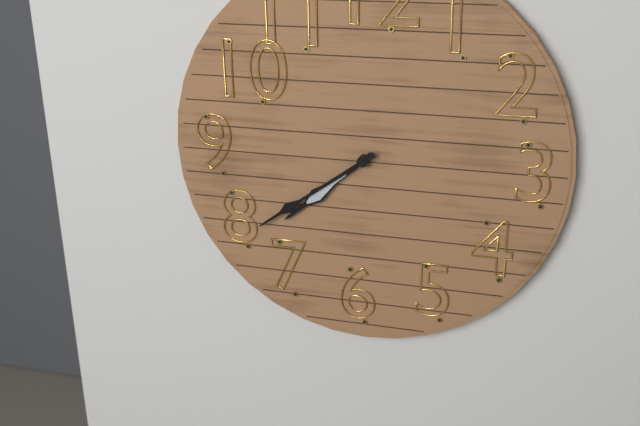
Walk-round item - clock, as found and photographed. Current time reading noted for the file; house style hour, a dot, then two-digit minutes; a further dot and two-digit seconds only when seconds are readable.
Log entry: 7.39
